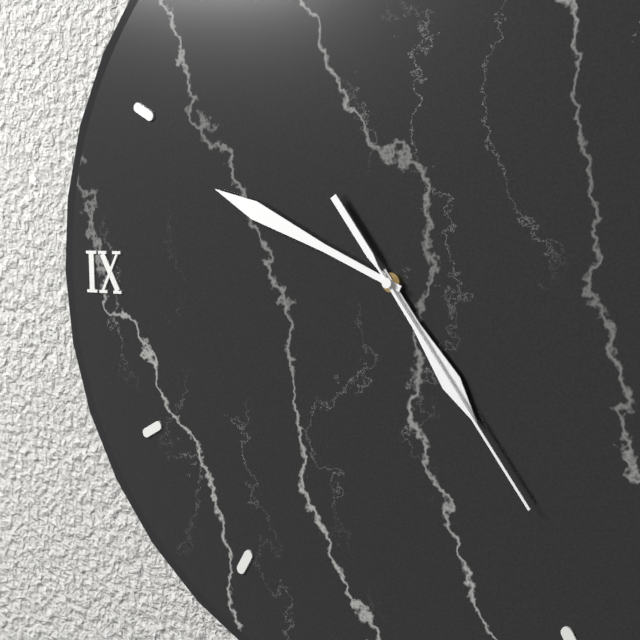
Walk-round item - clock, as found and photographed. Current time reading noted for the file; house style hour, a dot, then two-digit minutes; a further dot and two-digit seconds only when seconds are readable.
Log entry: 4.49.24
